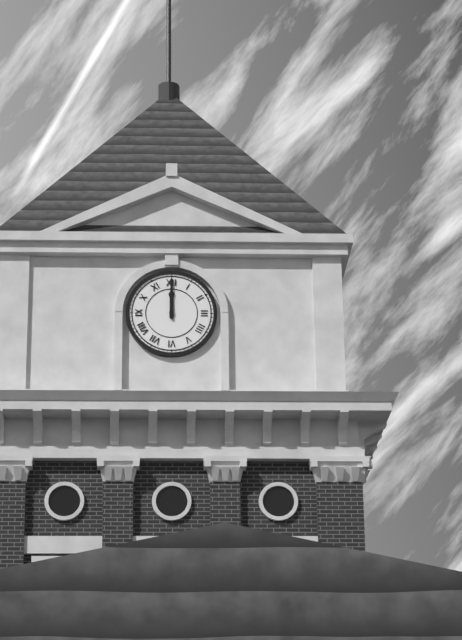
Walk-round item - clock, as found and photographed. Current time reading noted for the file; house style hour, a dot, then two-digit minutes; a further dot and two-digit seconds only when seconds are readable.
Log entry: 12.00
